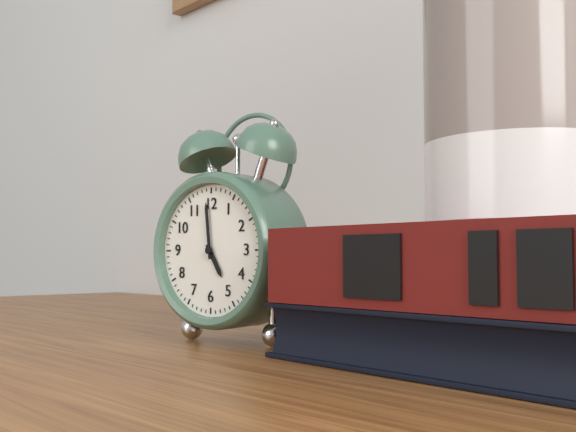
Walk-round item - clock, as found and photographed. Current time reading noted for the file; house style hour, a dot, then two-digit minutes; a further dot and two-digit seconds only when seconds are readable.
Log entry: 4.59
